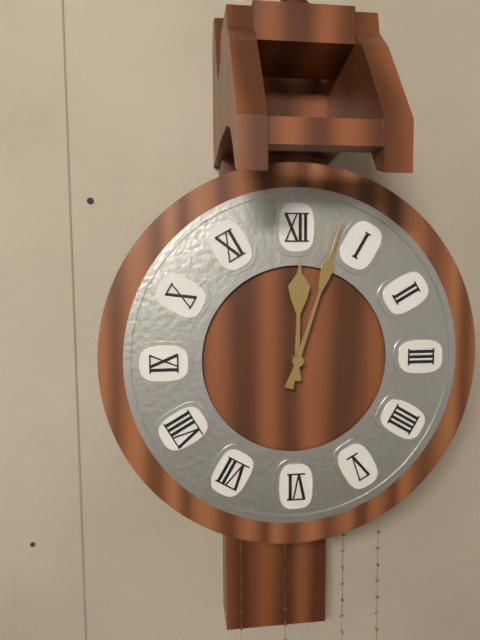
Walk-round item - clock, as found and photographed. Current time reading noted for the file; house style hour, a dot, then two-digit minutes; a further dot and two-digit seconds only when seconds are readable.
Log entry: 12.03
